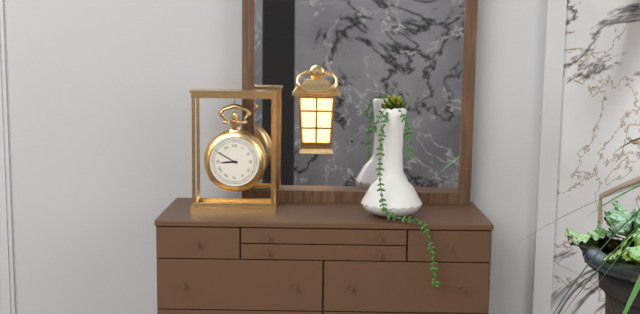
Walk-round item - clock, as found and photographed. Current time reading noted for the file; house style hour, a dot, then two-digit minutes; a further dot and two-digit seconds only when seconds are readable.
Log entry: 8.50
